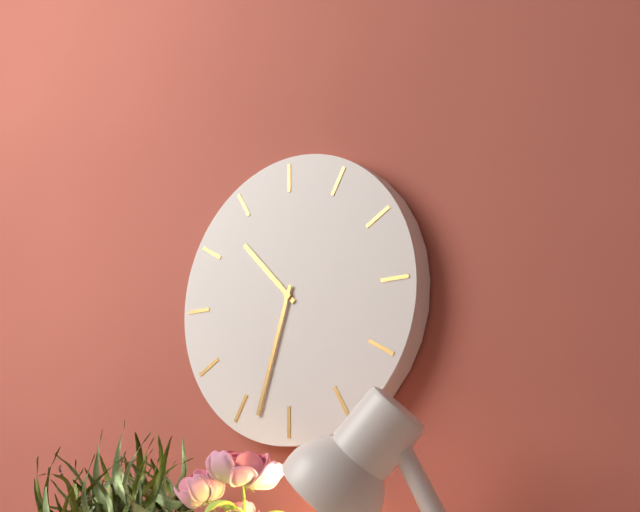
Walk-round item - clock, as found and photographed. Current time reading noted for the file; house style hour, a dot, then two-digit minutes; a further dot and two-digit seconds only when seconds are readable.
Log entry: 10.33
